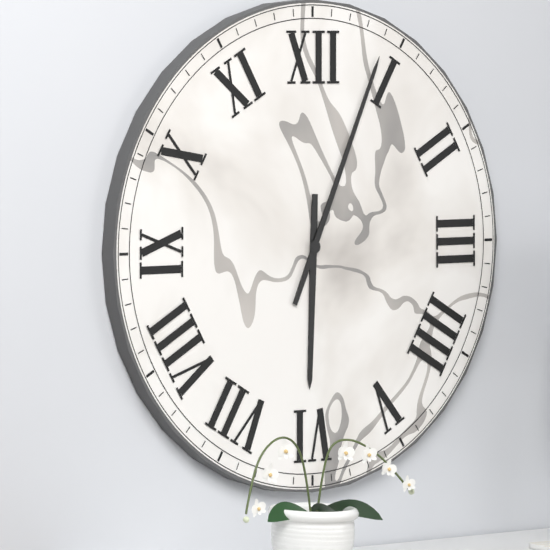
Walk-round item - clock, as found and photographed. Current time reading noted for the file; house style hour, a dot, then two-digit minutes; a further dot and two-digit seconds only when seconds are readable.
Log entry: 6.04
